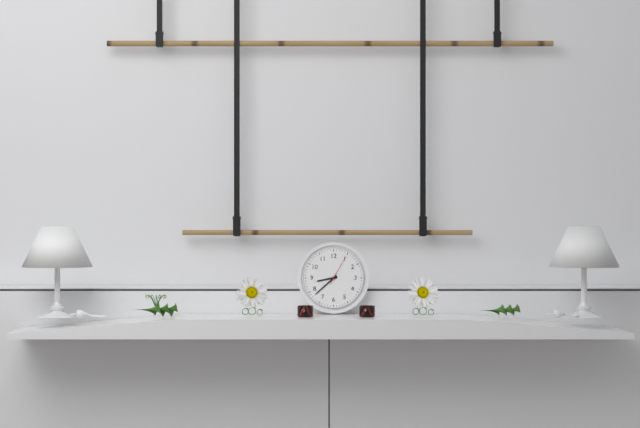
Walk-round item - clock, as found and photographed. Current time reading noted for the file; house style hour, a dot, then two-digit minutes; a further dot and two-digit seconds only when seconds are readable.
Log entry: 8.38
